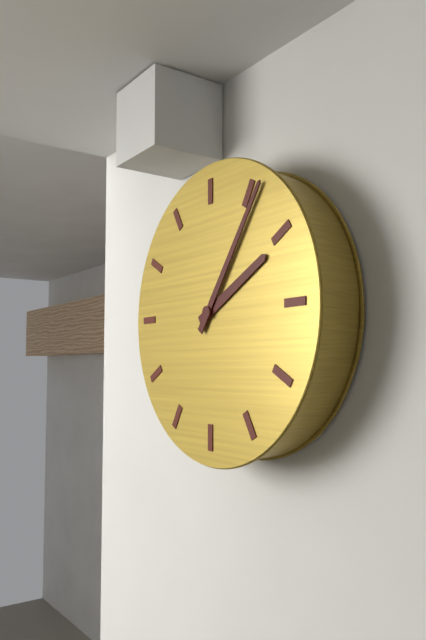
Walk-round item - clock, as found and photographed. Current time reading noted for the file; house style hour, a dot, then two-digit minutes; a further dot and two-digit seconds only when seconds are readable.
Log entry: 2.06
